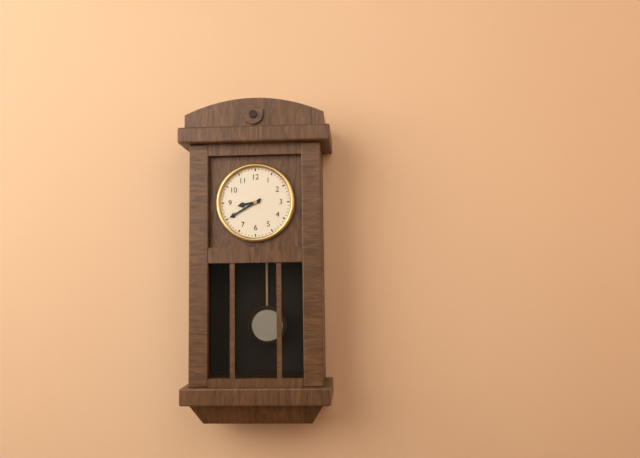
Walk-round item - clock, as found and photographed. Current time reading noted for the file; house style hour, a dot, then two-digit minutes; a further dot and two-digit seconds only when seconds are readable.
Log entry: 8.40
